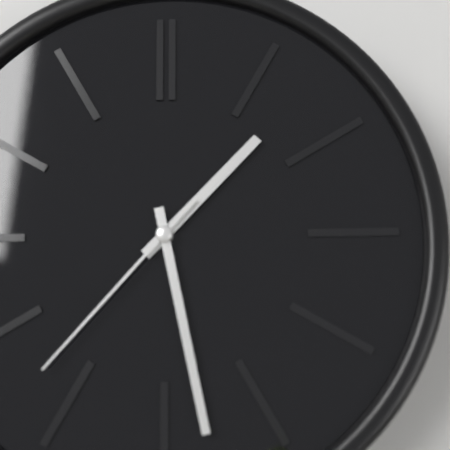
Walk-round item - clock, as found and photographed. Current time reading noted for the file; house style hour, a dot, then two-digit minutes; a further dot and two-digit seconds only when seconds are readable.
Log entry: 1.28.37
